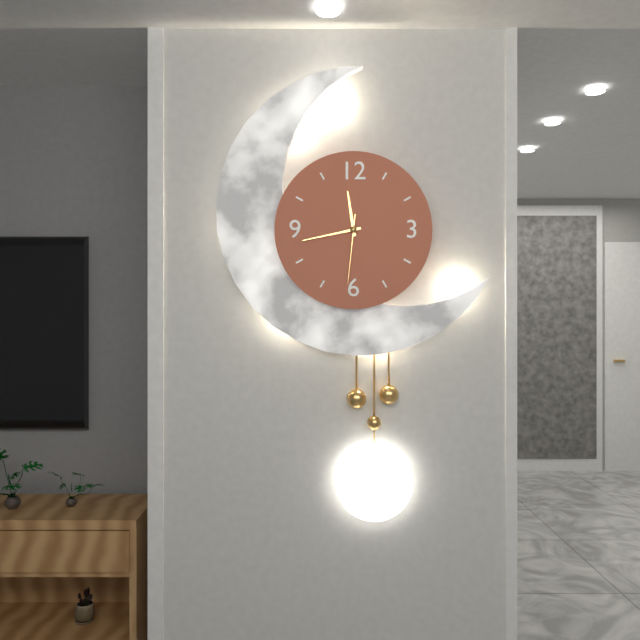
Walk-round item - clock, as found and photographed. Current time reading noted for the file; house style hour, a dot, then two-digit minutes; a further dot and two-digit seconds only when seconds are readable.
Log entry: 11.43.31
